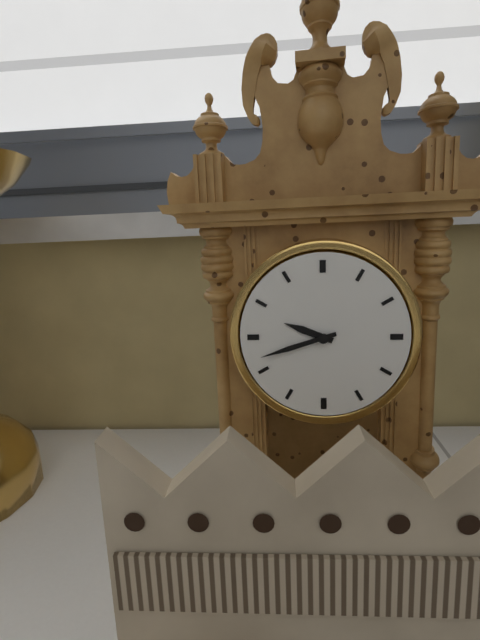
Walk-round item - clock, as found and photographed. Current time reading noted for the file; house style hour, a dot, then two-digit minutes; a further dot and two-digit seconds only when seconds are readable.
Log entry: 9.42
